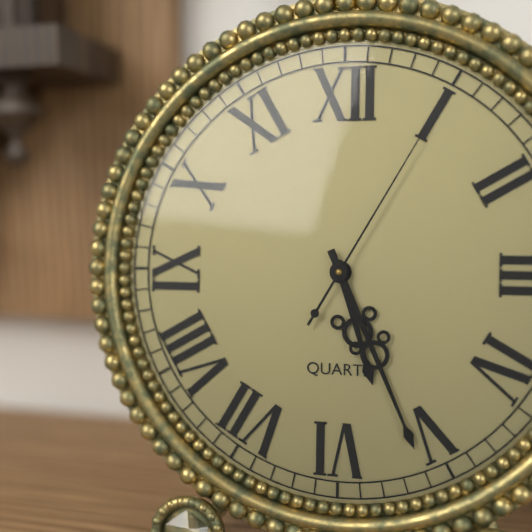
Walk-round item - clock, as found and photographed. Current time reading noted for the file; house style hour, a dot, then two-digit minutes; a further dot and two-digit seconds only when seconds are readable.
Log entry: 5.26.05
